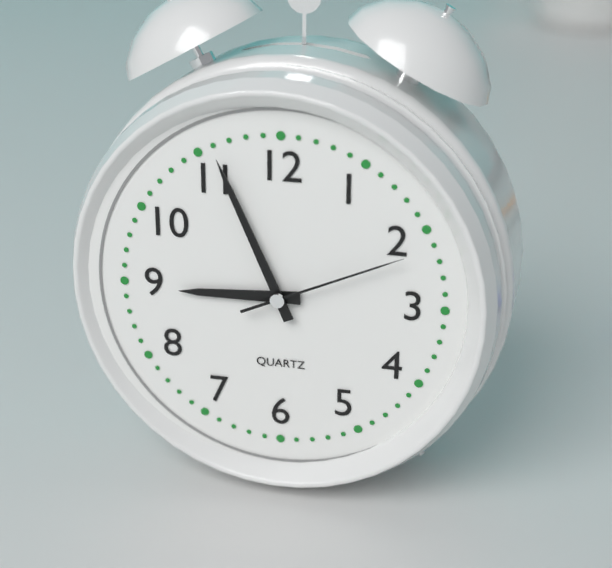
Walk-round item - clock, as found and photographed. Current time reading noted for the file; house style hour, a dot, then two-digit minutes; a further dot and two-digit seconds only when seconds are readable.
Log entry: 8.56.11
